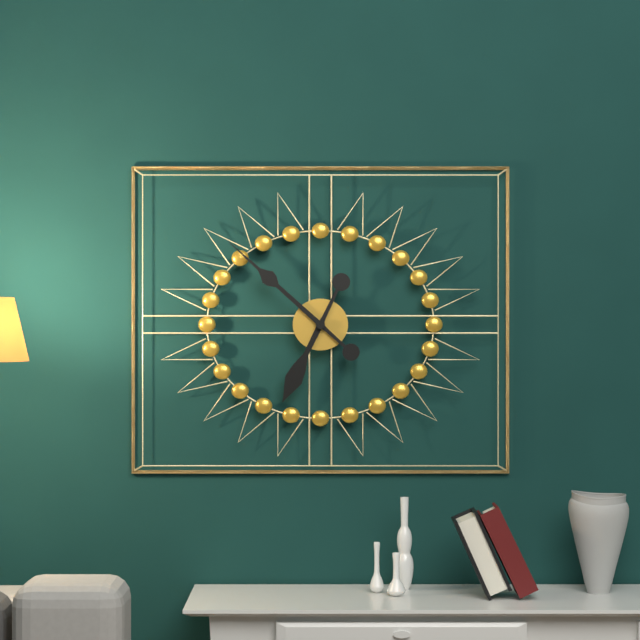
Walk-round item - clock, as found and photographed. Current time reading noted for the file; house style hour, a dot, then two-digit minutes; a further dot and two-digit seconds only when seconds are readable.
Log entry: 6.52
